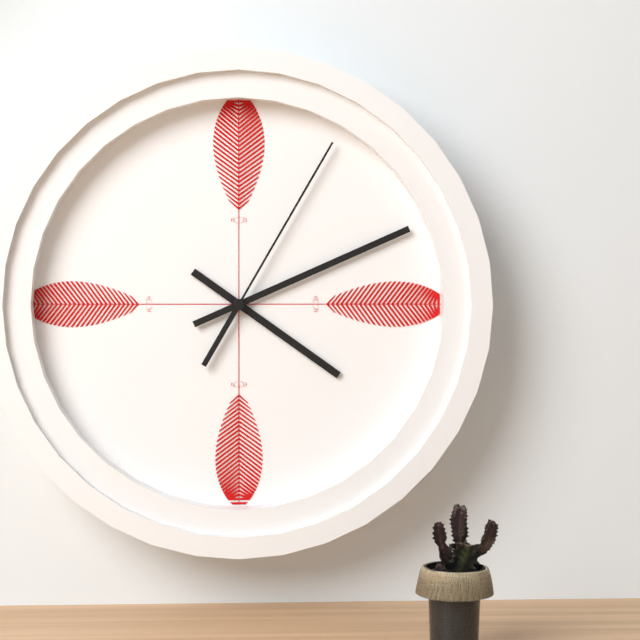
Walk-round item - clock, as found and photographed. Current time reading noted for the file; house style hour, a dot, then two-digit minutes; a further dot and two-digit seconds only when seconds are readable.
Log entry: 4.11.05
